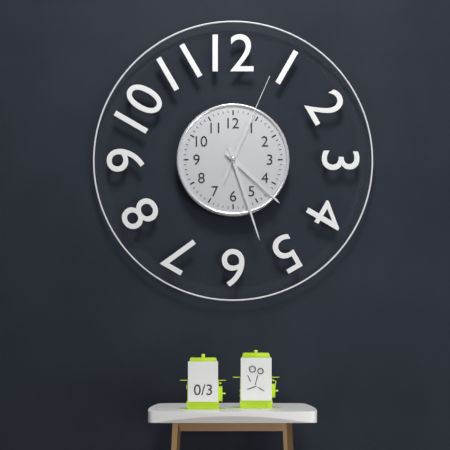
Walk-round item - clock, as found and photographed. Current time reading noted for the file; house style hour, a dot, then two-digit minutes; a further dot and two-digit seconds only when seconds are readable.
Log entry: 4.27.04
